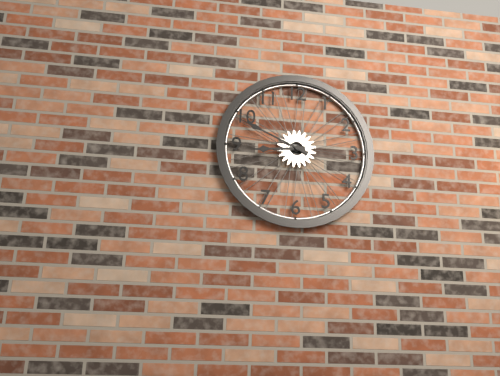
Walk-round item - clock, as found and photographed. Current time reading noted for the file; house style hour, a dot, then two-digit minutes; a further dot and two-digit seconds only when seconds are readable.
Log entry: 8.49
